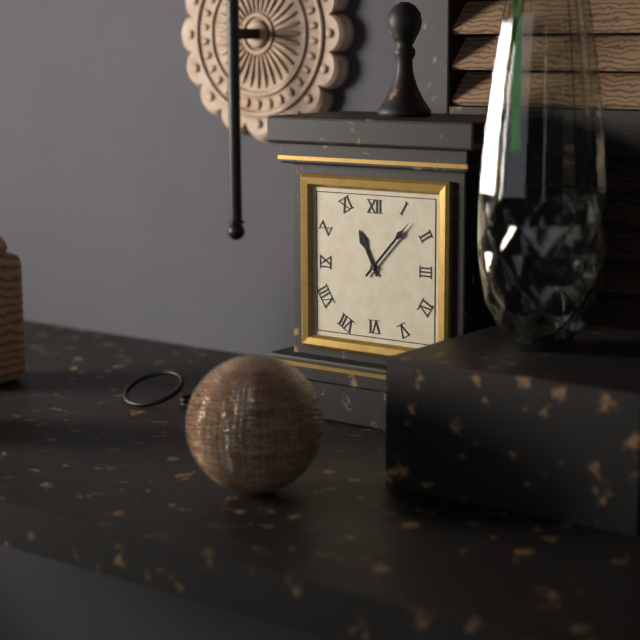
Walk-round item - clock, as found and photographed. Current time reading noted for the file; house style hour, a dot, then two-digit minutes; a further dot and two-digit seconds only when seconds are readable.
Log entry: 11.07
